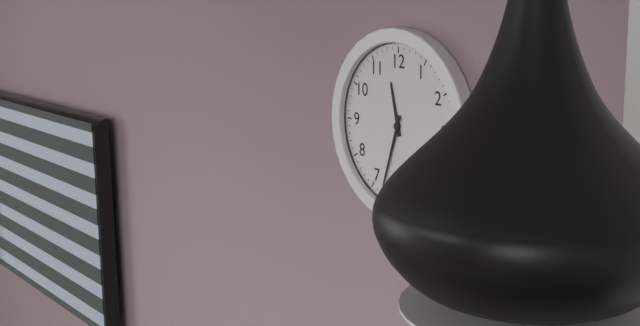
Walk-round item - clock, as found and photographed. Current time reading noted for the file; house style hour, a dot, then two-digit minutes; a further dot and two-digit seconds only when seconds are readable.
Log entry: 11.33
